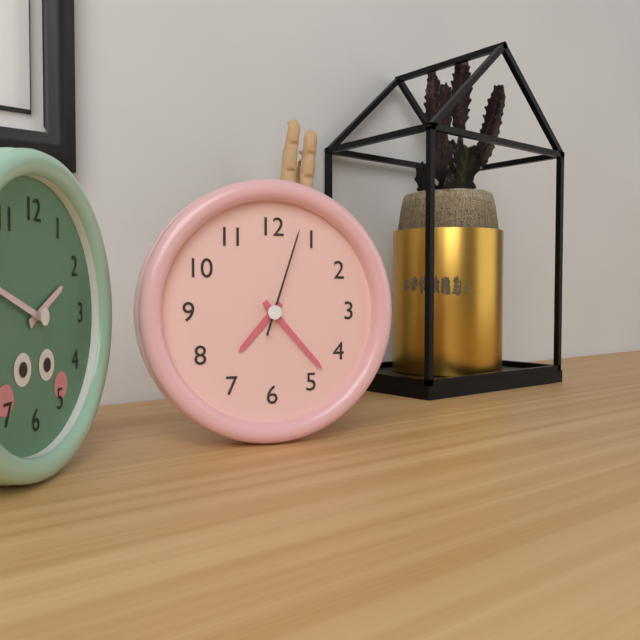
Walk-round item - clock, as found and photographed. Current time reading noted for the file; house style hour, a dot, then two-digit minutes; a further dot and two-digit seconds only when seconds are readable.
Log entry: 7.23.03
